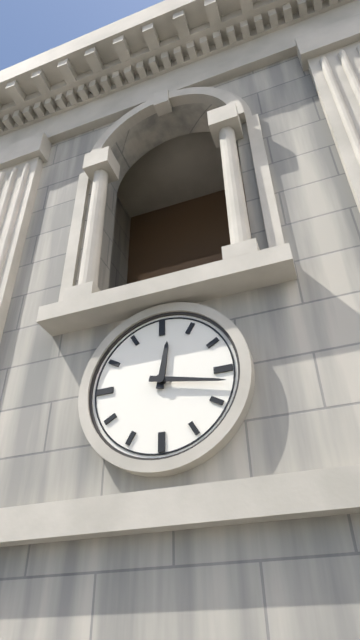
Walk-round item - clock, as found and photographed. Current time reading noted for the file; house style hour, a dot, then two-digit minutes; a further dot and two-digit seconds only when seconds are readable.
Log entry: 12.17
